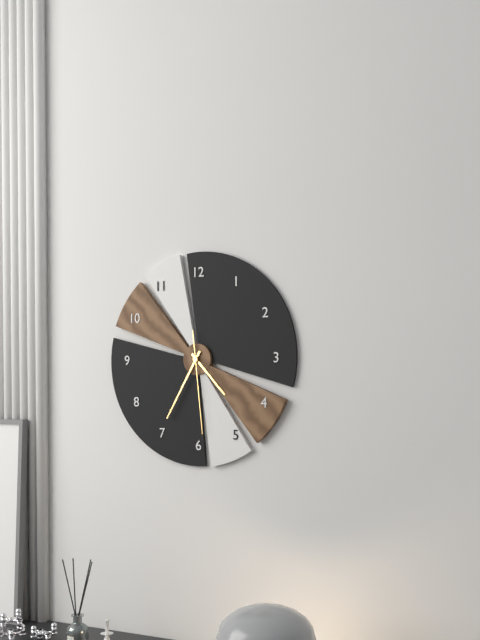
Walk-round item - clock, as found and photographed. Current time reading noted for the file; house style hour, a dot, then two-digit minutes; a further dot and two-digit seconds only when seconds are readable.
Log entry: 4.35.29
